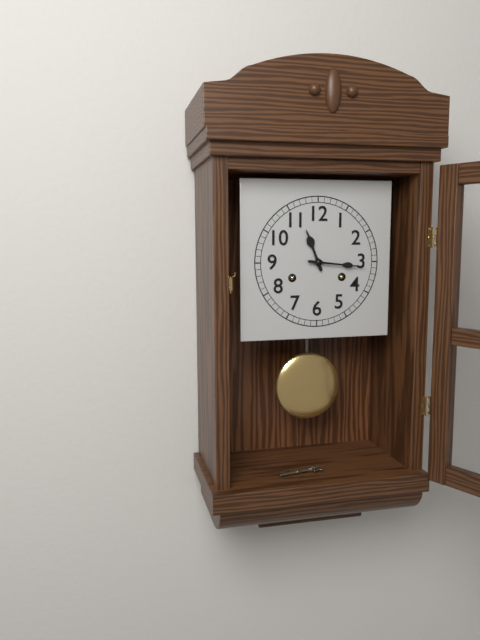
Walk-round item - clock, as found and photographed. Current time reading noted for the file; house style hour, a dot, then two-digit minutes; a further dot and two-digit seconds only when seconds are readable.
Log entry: 11.16
